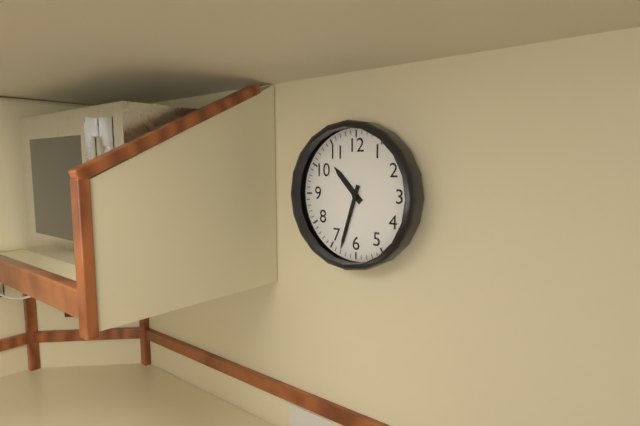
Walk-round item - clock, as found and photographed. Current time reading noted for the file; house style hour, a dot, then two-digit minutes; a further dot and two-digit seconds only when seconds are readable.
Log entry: 10.33
